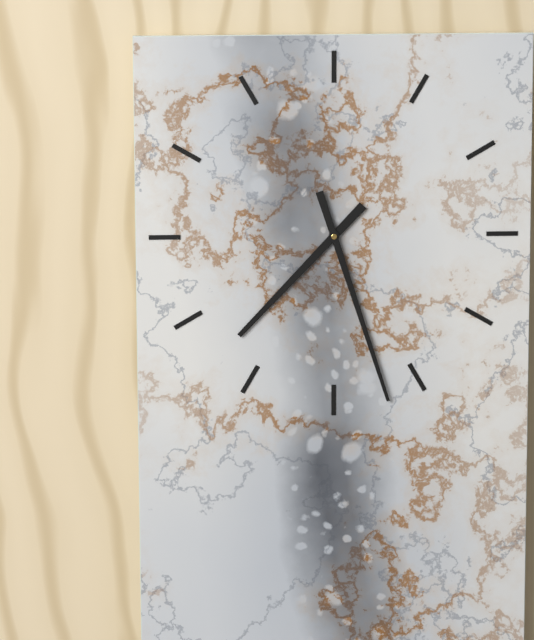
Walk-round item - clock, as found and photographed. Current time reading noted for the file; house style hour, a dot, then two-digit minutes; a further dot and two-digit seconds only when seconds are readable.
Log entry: 7.27
